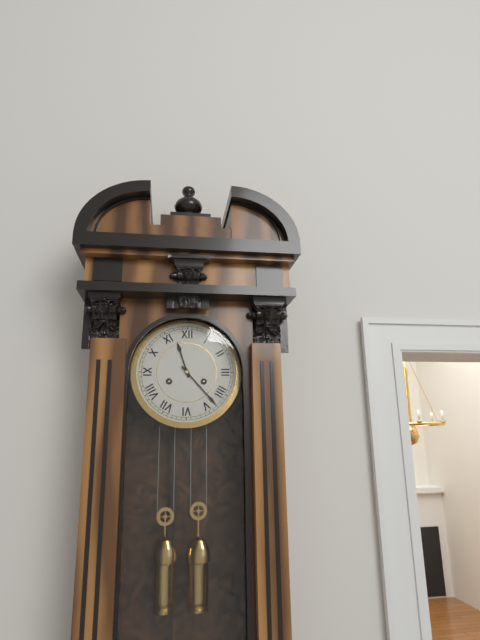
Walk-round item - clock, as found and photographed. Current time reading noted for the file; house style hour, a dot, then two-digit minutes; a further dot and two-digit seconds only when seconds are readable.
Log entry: 11.23
